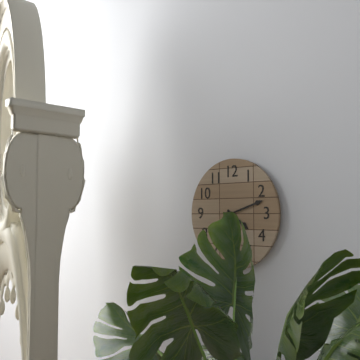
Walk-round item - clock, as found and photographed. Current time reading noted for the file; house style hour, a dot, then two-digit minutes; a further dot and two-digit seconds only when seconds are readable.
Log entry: 4.12
